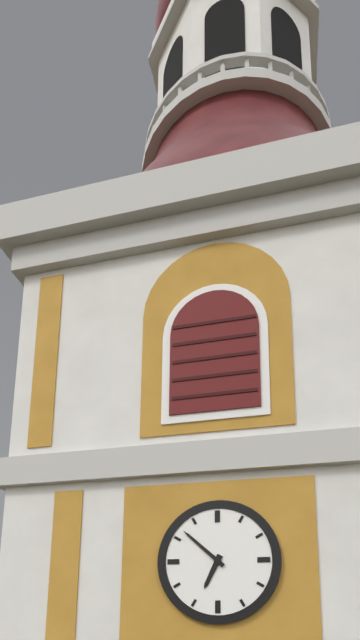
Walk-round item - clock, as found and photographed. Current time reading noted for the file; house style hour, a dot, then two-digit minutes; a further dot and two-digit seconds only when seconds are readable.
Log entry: 6.52
